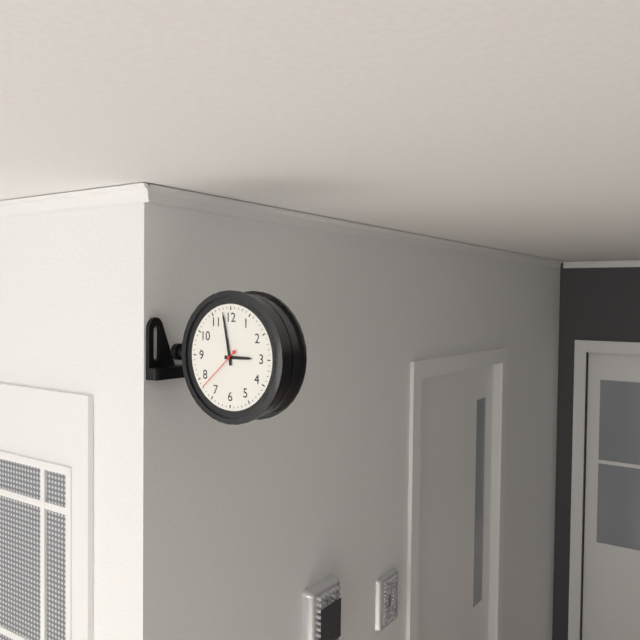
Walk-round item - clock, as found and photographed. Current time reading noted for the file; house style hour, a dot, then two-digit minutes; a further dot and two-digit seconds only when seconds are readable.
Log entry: 2.58.38
